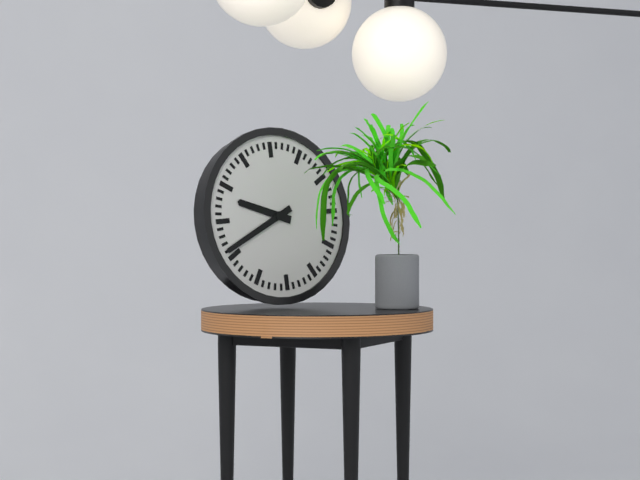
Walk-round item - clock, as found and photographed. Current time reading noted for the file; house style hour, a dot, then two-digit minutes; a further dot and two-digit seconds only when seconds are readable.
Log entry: 9.41
